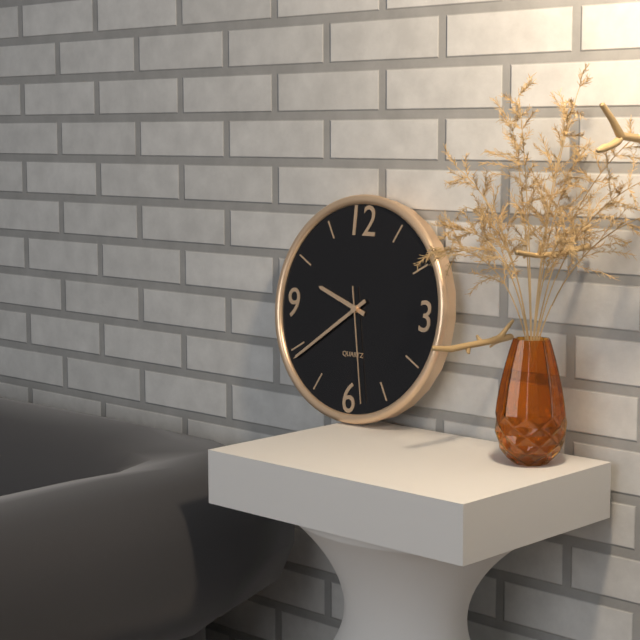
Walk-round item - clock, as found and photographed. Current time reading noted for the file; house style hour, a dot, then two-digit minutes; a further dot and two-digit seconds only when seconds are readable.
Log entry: 9.39.28
